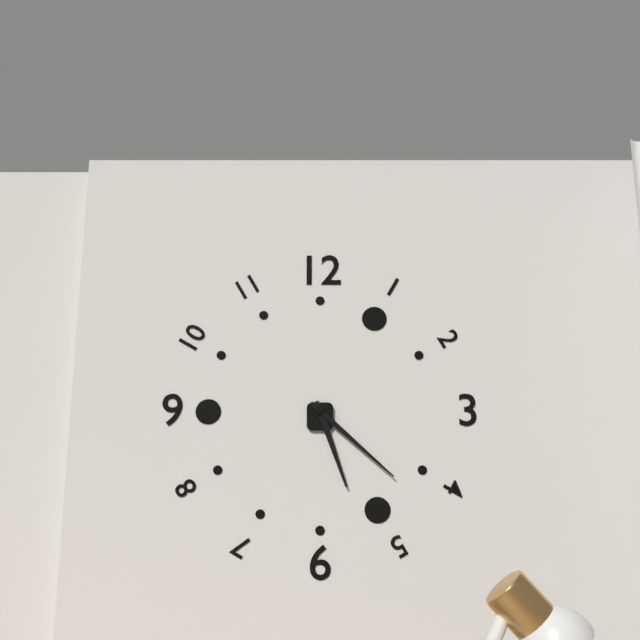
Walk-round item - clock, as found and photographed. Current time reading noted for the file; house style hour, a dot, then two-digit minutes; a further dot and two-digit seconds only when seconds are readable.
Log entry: 5.22
